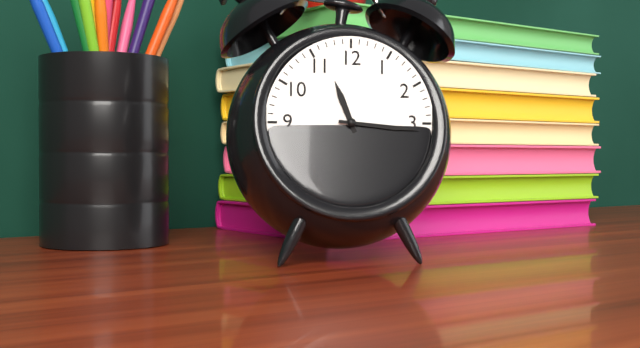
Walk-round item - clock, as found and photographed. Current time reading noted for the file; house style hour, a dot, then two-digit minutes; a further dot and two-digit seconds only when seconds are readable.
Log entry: 11.16
